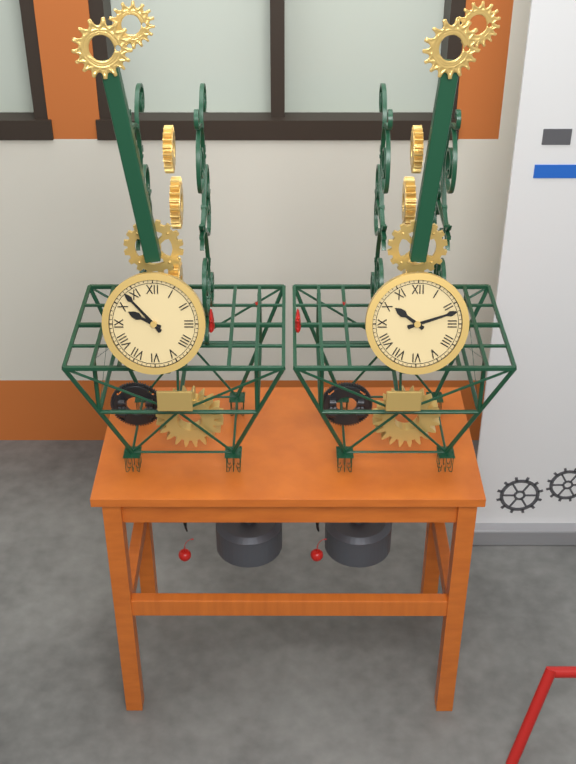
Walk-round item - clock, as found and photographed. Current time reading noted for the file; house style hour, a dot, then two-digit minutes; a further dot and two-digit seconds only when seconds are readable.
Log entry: 9.53
